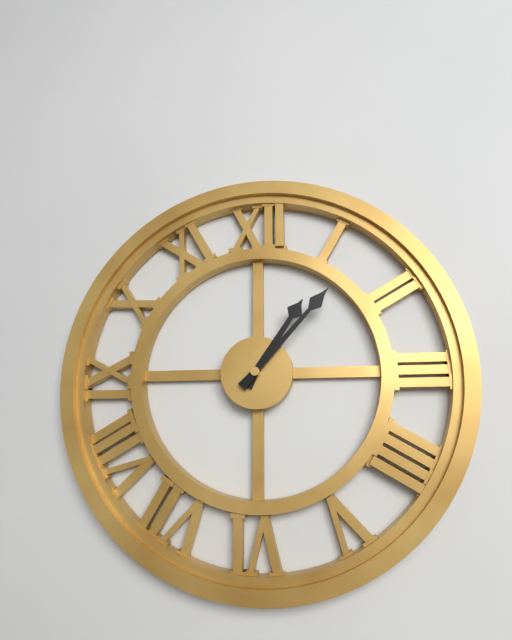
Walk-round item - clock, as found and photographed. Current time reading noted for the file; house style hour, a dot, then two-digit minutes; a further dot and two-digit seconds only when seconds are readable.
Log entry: 1.07
